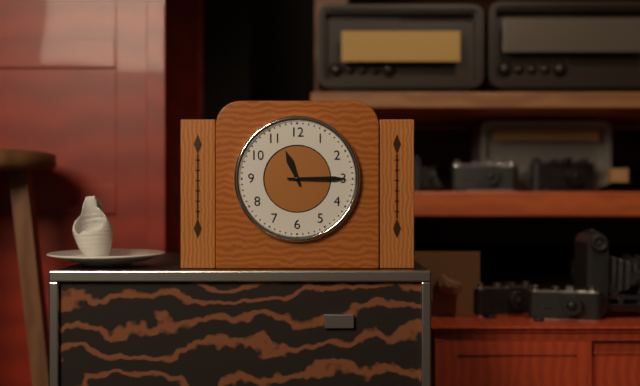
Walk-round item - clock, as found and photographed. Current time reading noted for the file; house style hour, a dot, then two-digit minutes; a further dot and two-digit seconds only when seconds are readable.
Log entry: 11.15
